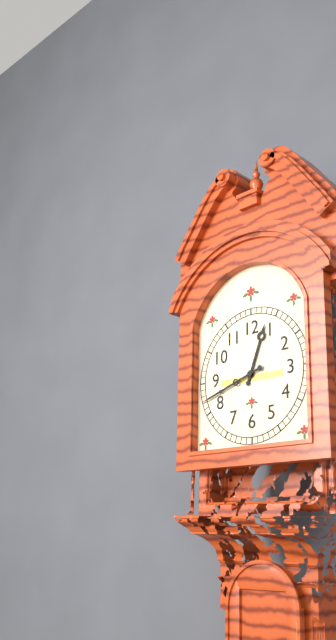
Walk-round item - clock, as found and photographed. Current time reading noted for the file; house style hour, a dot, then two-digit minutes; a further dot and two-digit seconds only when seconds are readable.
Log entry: 12.42
